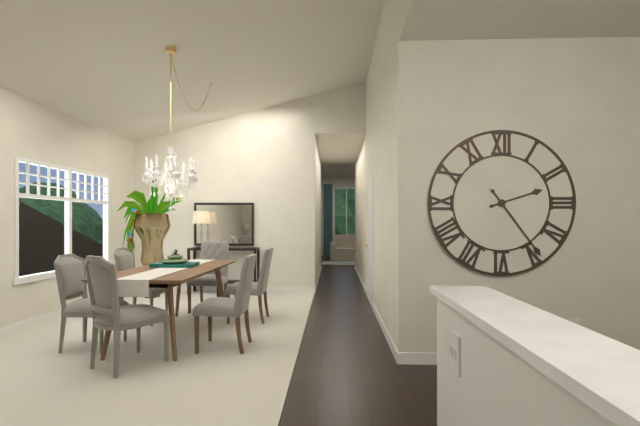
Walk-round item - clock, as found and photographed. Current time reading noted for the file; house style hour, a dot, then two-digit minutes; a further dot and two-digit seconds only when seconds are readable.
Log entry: 2.24
